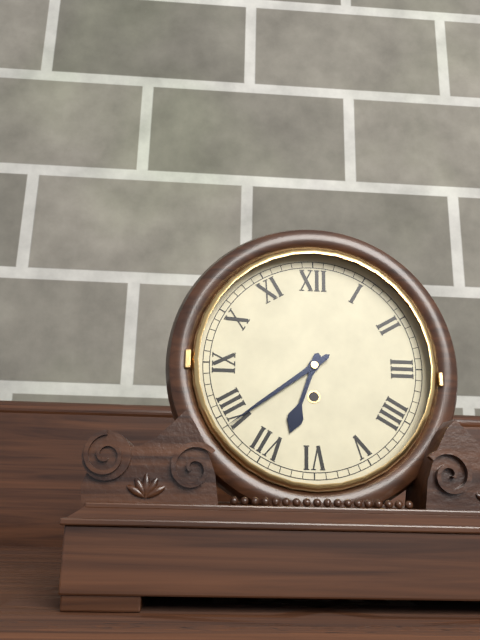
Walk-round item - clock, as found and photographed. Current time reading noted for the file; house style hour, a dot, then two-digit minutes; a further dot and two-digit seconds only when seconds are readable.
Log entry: 6.39
